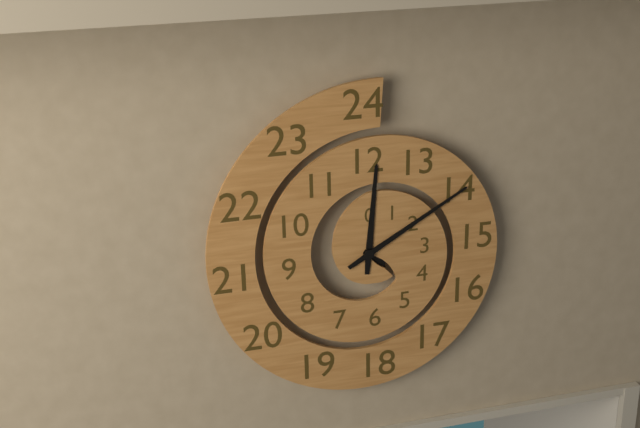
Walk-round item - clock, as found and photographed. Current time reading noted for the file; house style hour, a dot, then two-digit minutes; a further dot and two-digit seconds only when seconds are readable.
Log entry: 12.10
